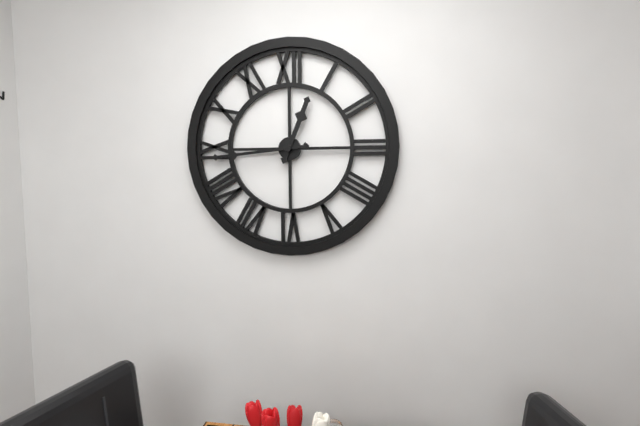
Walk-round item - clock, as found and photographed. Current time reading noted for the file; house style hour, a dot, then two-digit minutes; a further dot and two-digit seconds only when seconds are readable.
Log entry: 12.44
